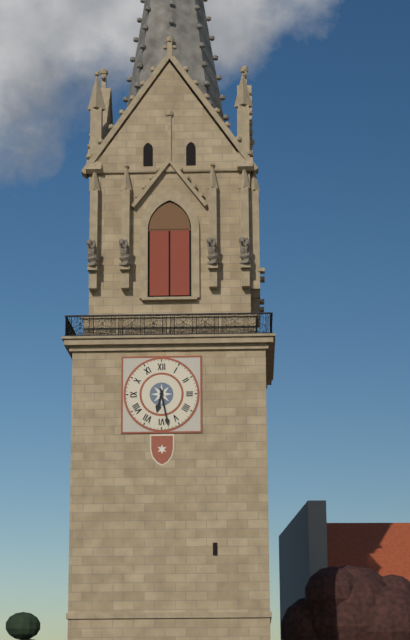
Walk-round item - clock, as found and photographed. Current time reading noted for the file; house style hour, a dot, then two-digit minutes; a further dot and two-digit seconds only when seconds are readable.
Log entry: 6.28
